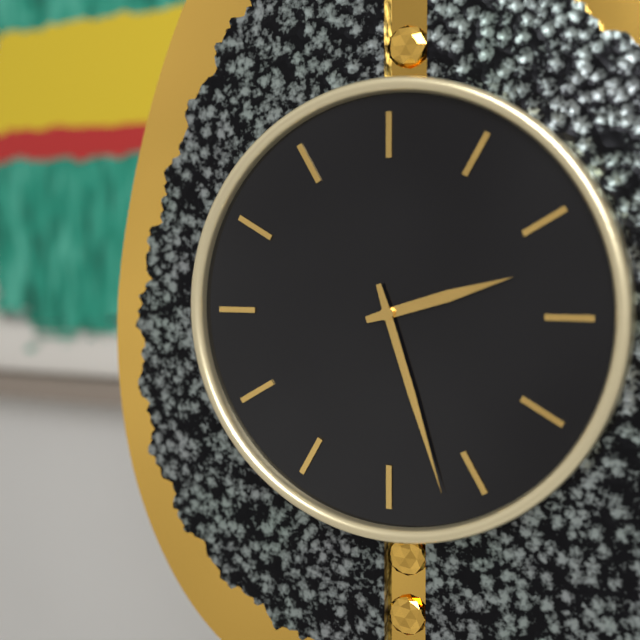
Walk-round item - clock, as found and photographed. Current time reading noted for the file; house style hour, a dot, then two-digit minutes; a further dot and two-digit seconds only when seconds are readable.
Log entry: 2.27
